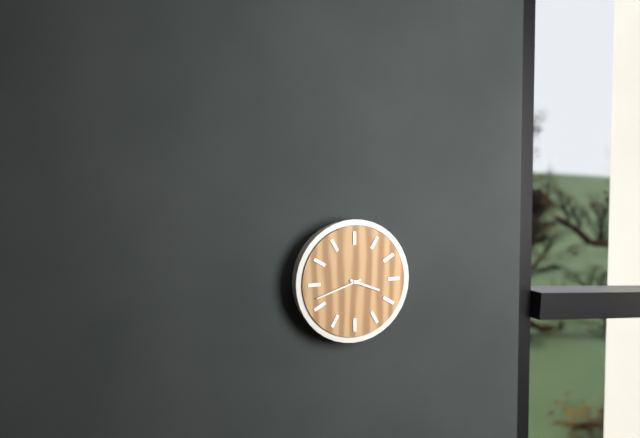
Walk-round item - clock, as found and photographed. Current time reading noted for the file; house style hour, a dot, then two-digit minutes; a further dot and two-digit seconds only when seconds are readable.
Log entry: 3.42
